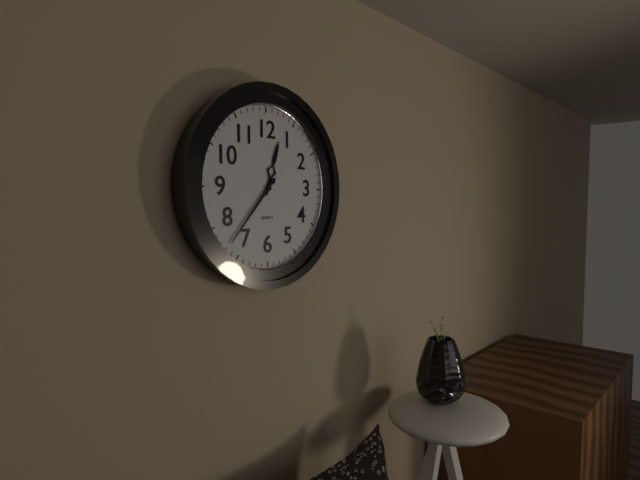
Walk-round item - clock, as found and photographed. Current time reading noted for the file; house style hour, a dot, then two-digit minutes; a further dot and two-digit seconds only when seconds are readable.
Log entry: 12.37
